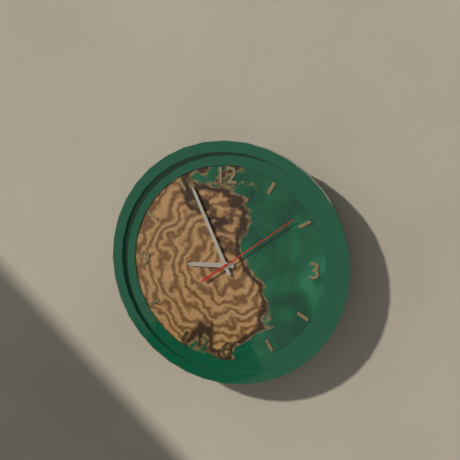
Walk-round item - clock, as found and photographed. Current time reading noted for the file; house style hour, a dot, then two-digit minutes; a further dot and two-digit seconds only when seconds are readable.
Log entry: 8.56.09
